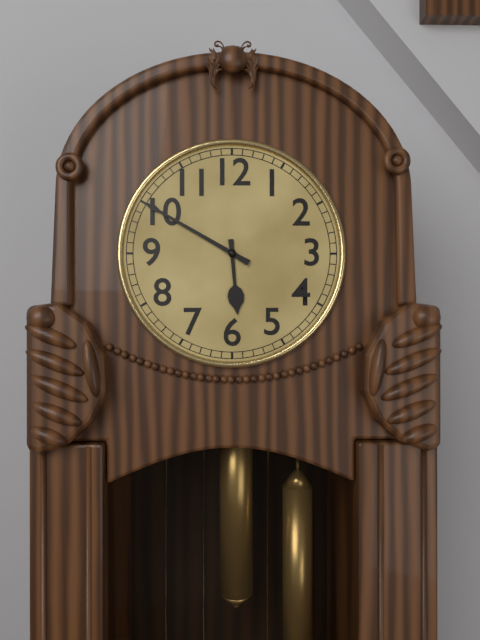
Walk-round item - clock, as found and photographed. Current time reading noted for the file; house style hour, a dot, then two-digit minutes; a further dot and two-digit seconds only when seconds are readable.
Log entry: 5.50
